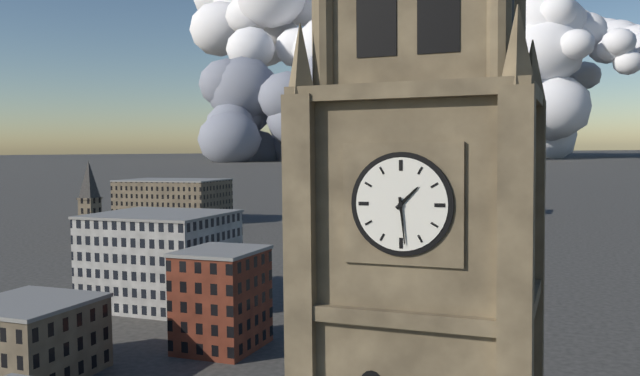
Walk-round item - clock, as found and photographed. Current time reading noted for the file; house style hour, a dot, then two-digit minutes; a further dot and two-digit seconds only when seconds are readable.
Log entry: 1.29
